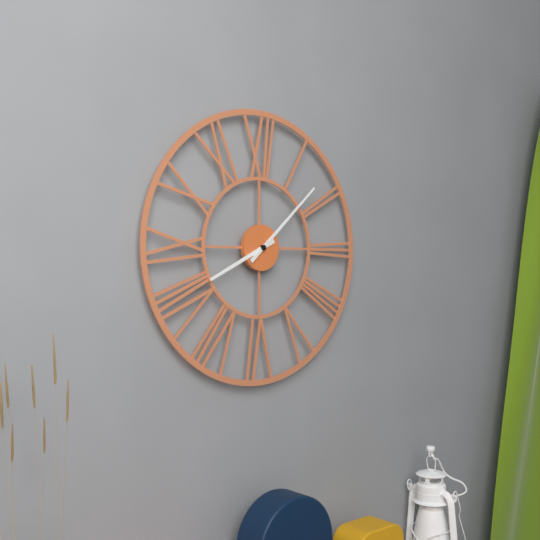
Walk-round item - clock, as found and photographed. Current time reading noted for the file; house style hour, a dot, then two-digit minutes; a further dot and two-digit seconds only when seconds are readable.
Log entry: 8.08
